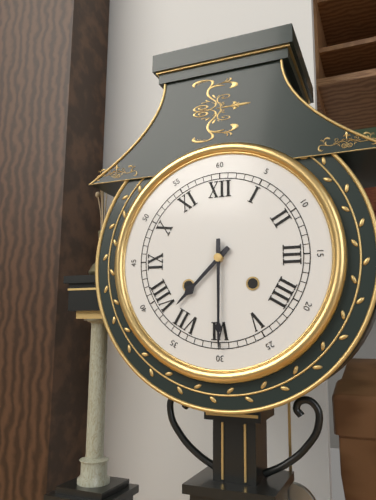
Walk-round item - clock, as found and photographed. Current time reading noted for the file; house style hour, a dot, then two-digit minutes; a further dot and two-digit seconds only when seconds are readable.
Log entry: 7.30
